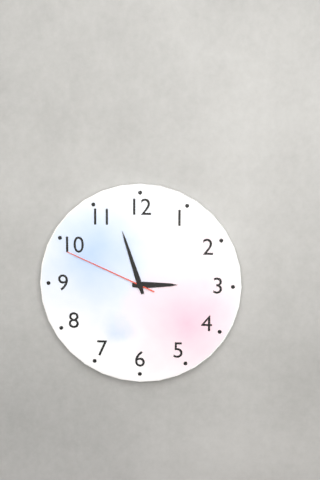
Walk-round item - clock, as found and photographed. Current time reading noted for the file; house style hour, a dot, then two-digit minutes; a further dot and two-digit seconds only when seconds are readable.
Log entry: 2.57.49
